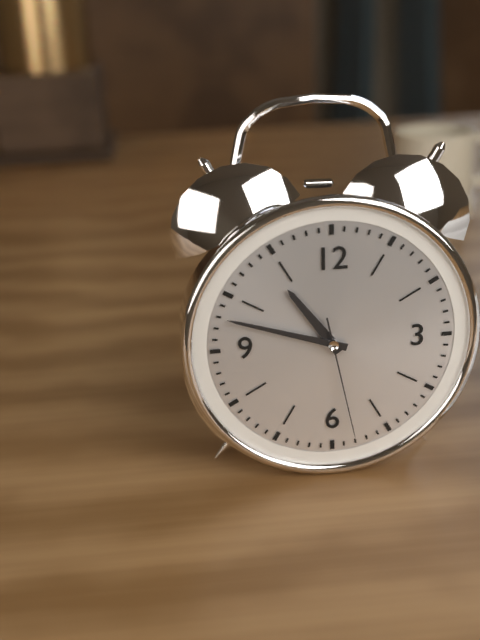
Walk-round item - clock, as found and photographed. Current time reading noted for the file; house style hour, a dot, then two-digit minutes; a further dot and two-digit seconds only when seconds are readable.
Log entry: 10.48.28
